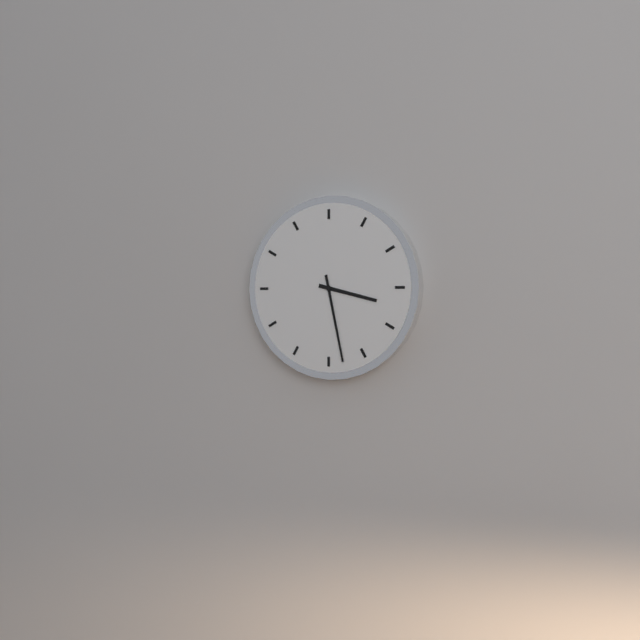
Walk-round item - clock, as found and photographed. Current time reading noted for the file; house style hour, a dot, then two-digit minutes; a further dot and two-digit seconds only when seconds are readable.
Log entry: 3.28
